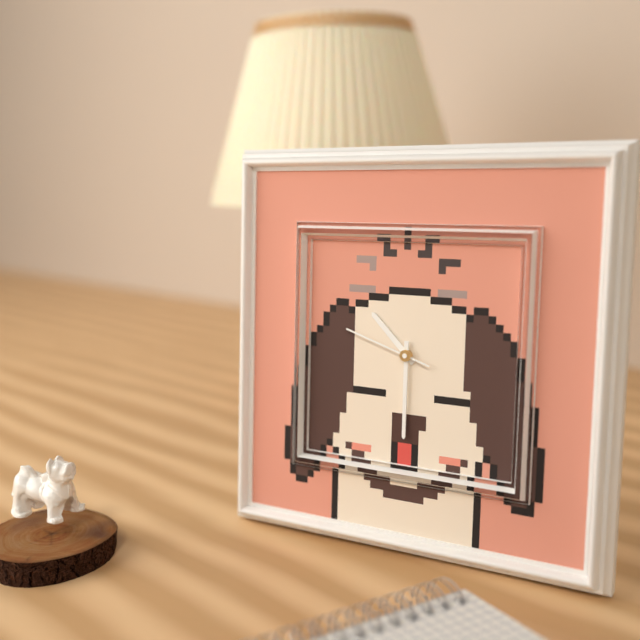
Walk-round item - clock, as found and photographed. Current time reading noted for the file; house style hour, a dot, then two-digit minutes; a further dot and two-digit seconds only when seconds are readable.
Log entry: 10.30.48
